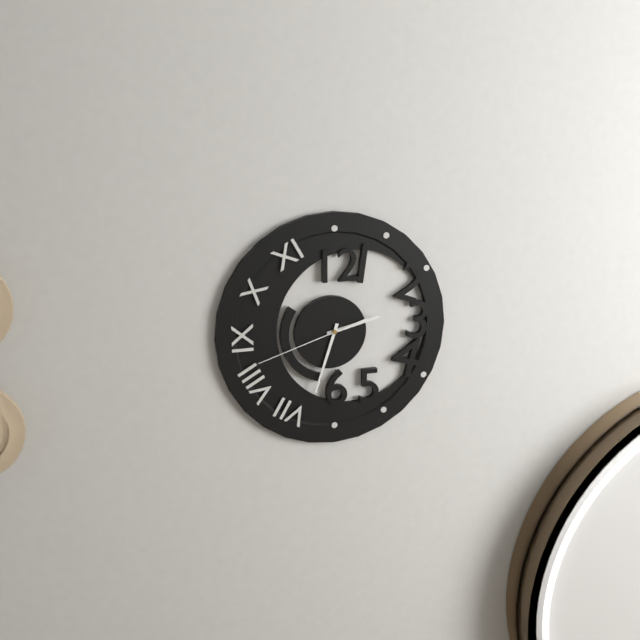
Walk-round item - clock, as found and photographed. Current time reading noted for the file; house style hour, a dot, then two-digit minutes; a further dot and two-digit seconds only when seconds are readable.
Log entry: 2.33.42
